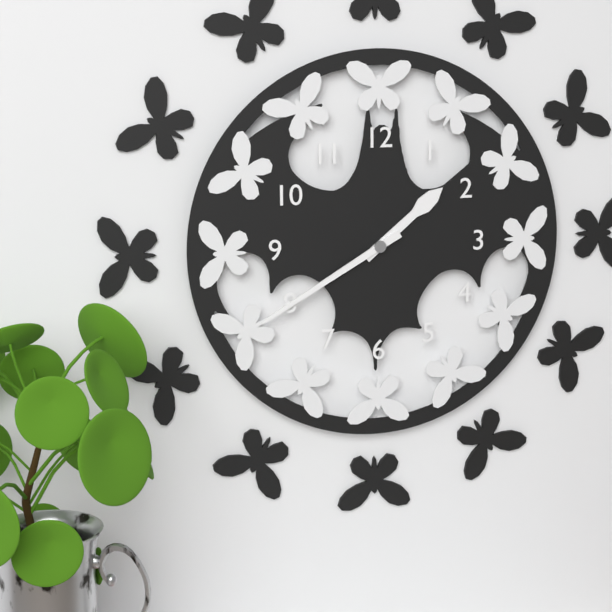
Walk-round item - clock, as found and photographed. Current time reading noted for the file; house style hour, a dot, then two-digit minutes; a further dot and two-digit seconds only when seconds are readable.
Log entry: 1.40
